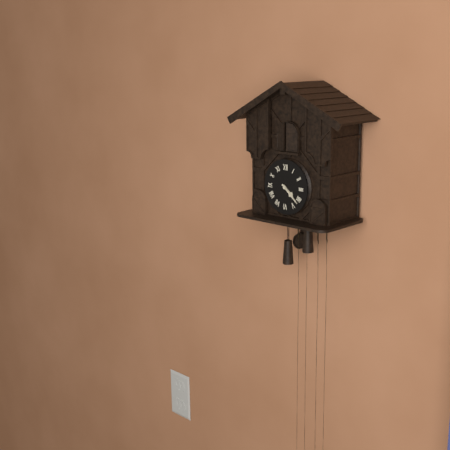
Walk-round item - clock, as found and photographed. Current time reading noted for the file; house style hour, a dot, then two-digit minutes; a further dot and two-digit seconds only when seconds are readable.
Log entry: 4.22
